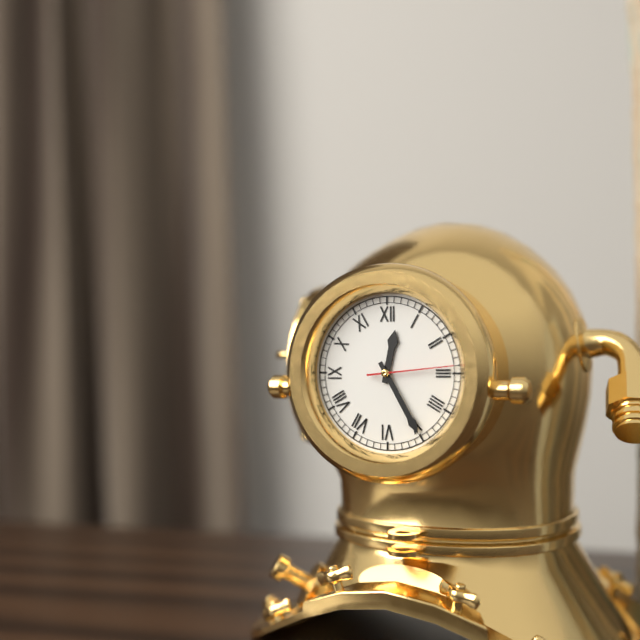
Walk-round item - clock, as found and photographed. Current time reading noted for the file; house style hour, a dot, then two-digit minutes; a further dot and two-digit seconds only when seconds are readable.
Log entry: 12.25.14
